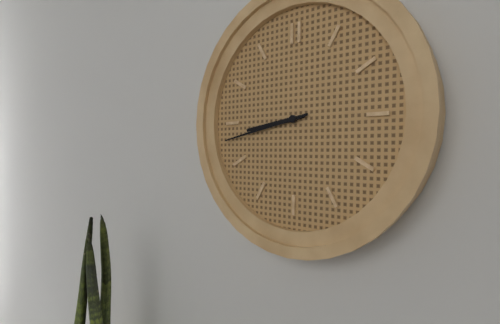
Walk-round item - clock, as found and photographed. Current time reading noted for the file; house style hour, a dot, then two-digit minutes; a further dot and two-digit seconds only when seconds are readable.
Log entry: 8.43
